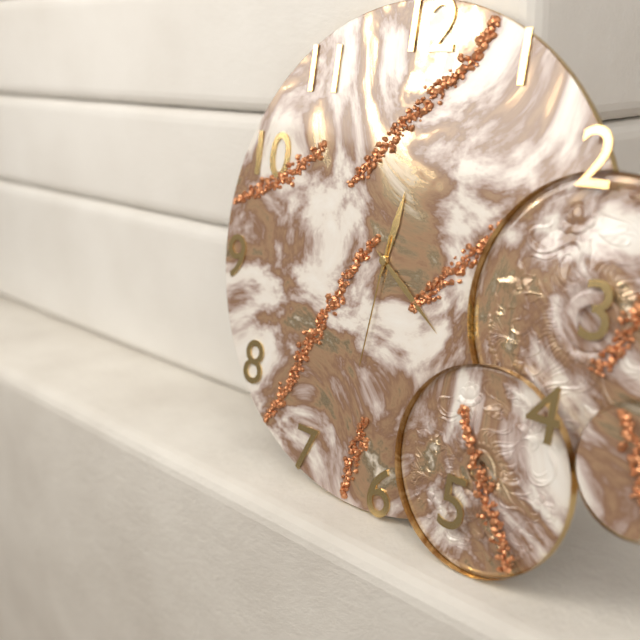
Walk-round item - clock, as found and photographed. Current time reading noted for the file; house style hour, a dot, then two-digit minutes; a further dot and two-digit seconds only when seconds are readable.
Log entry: 12.21.31
